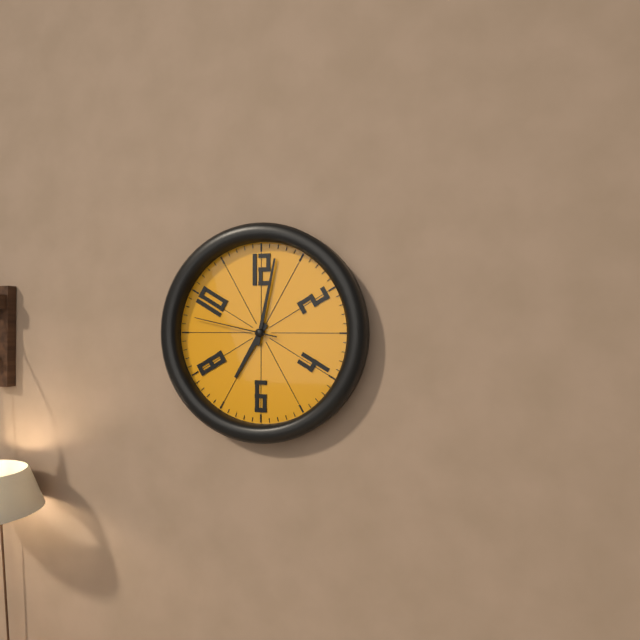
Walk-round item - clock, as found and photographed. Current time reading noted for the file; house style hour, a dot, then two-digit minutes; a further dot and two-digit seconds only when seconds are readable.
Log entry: 7.02.47
